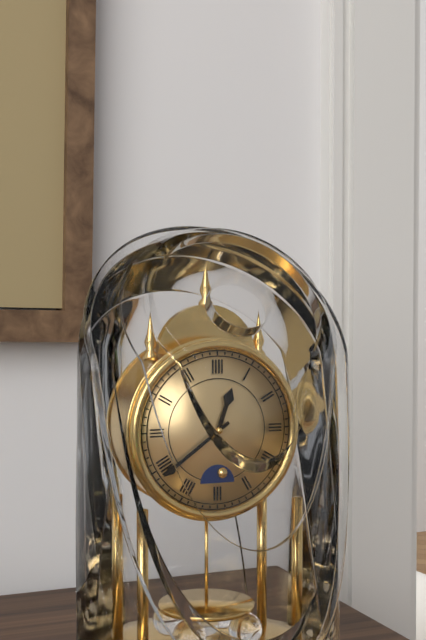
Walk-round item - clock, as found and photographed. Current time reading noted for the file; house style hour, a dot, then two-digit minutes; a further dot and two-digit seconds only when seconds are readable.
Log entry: 12.39
